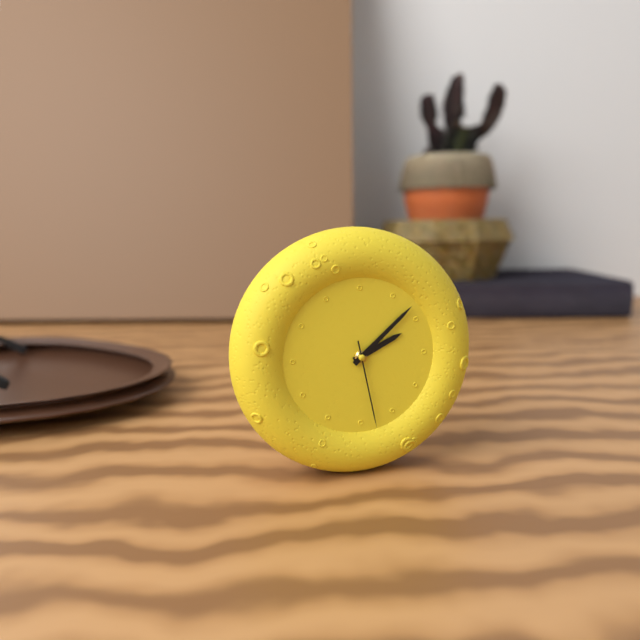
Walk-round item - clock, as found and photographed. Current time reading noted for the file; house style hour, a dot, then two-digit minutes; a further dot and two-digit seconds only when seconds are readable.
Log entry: 2.08.28
